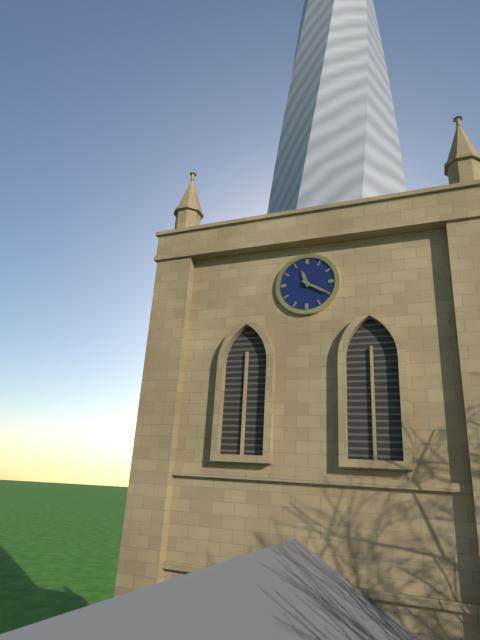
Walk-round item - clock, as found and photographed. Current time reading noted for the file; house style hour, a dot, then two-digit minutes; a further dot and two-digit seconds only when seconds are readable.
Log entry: 11.20
